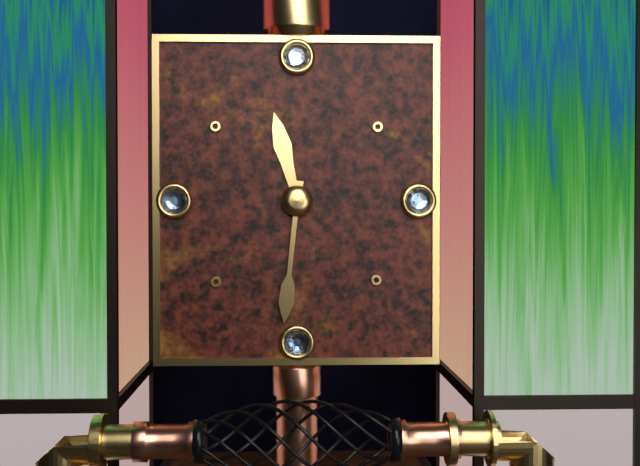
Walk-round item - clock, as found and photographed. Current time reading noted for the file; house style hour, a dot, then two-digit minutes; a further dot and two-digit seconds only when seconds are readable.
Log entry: 11.31
